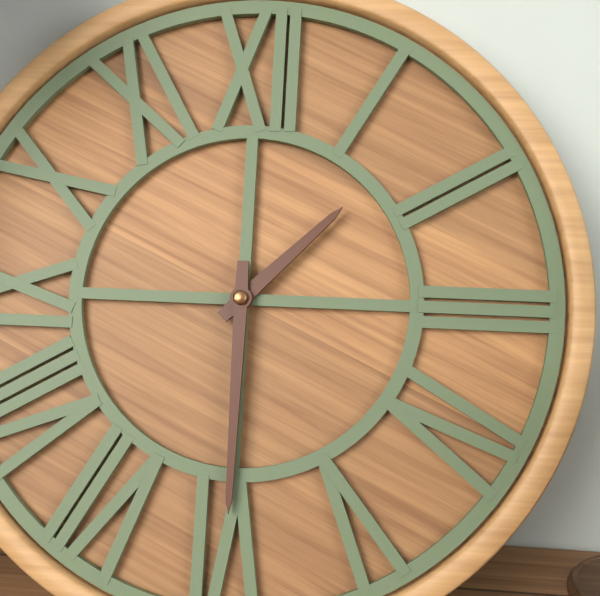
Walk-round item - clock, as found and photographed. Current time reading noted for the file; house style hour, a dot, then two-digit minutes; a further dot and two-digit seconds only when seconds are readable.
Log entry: 1.30
